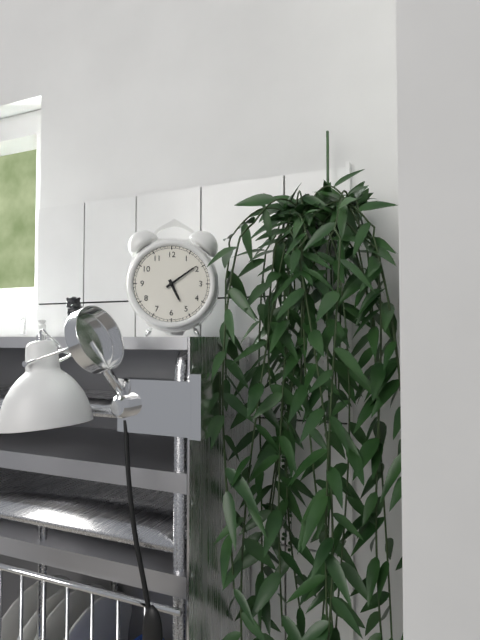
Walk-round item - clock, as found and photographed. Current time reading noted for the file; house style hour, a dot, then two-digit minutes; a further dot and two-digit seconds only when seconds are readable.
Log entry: 5.09
